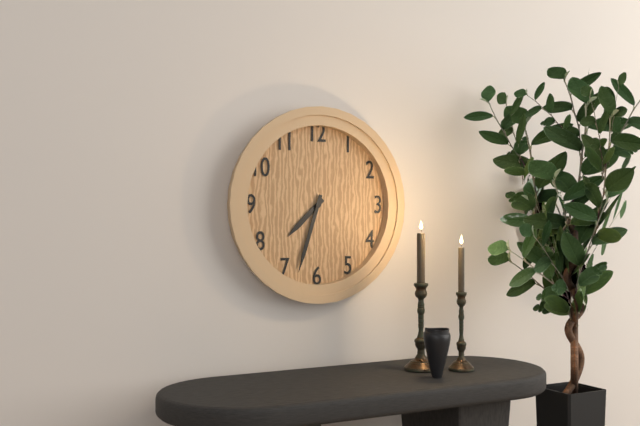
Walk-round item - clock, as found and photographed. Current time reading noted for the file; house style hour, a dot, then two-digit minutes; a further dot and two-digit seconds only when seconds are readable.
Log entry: 7.33
